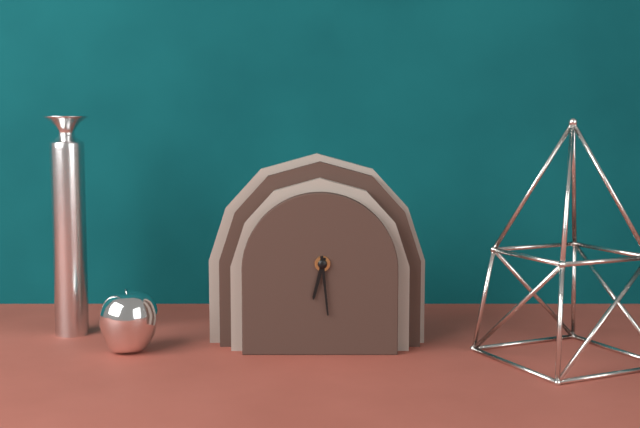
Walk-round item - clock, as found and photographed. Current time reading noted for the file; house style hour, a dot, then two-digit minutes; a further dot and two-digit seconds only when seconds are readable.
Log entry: 6.29
